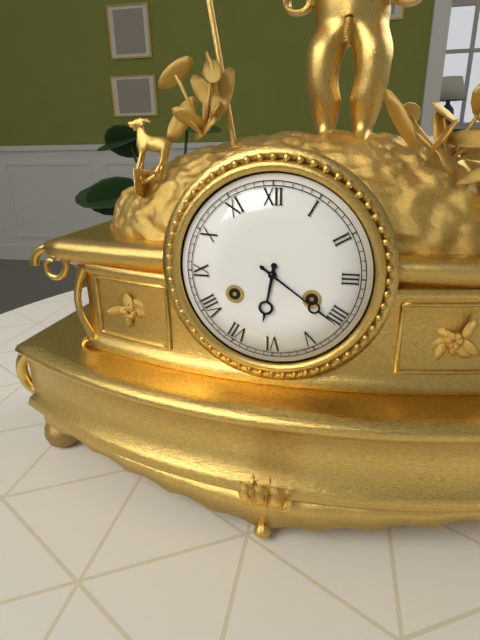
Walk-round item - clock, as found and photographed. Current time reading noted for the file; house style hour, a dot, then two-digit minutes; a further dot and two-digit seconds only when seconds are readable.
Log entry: 6.21
